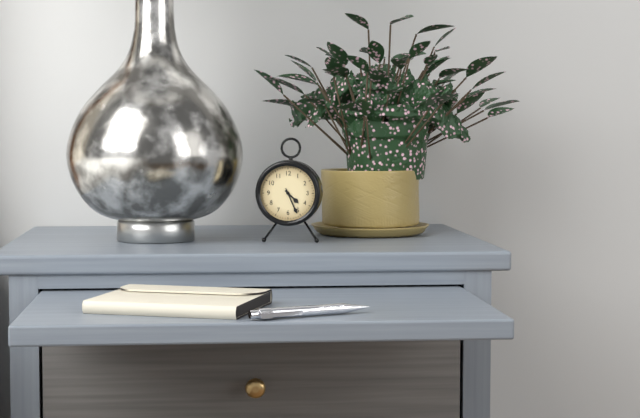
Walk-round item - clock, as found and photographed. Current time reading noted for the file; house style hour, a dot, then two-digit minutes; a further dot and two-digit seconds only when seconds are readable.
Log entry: 4.26
